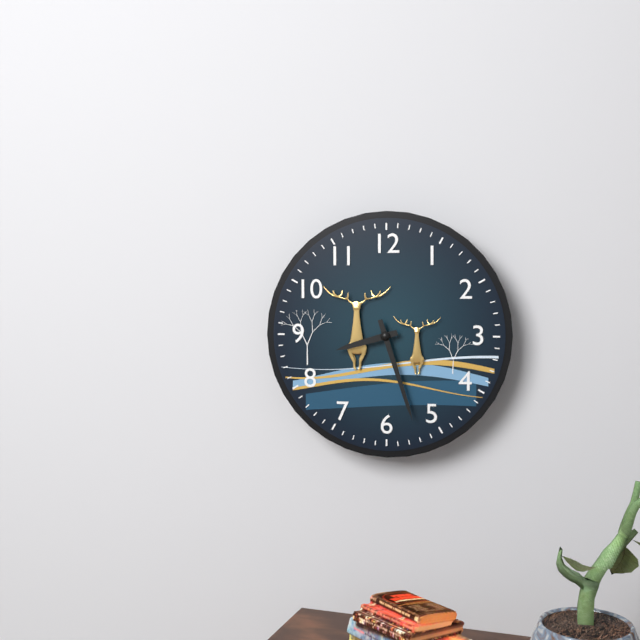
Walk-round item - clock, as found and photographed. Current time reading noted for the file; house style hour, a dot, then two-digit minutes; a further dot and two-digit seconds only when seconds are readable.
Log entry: 8.27
